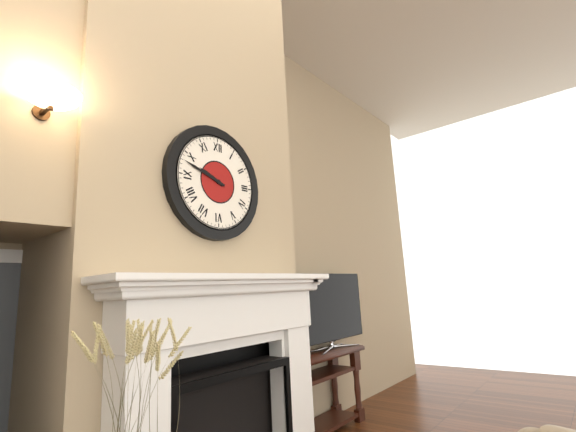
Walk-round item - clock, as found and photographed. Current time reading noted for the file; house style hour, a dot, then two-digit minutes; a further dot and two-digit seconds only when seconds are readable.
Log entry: 9.48
